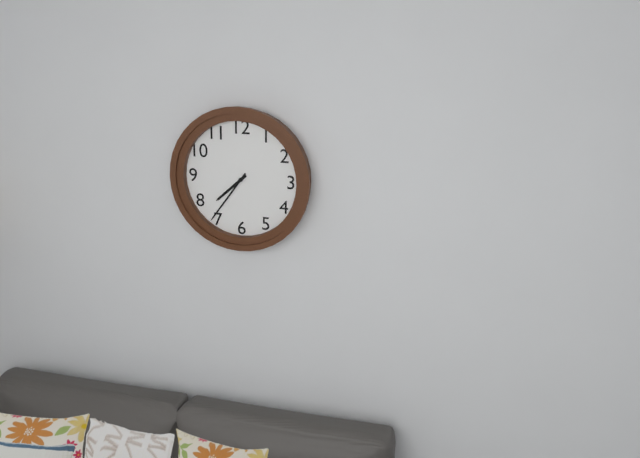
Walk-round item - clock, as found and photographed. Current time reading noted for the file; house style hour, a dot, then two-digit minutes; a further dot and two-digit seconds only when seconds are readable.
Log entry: 7.36
